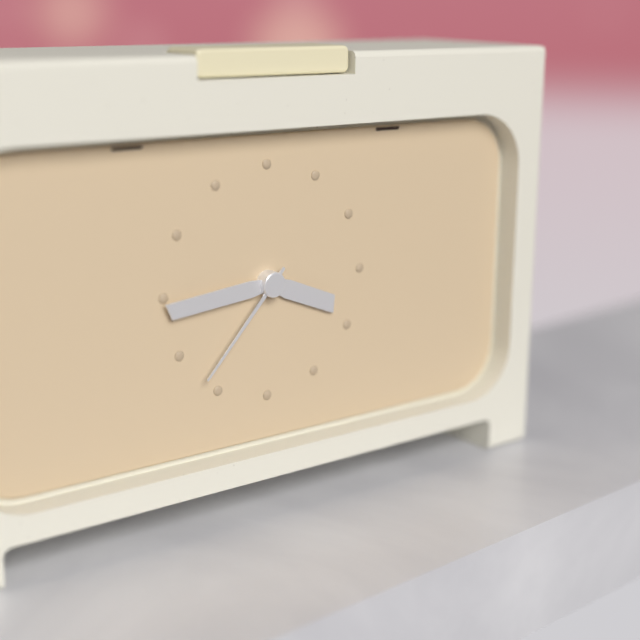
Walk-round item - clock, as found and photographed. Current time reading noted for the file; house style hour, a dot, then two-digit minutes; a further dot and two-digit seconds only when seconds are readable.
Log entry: 3.44.37
